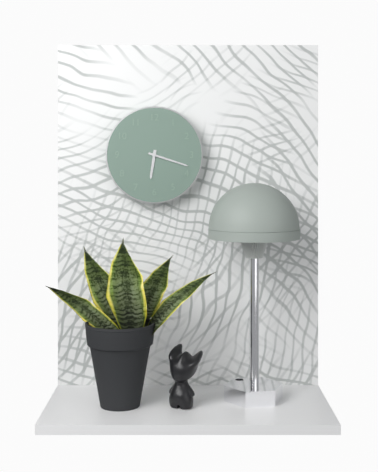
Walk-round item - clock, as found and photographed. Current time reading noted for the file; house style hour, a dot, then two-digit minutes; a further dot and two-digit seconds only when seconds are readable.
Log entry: 6.18
